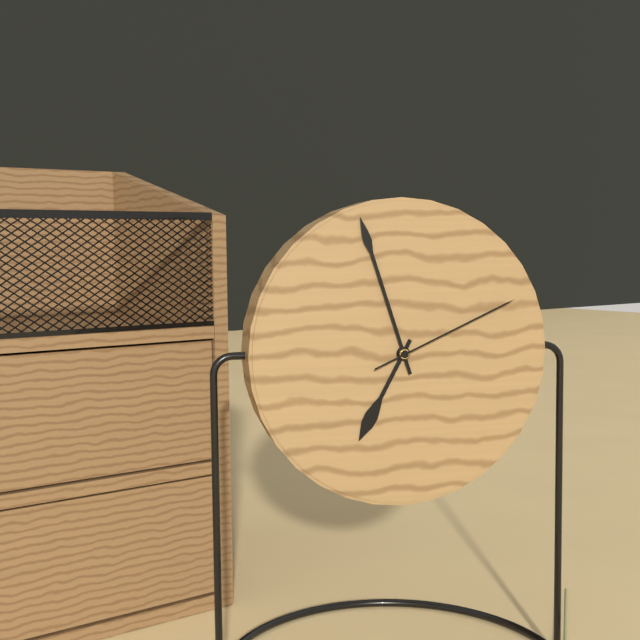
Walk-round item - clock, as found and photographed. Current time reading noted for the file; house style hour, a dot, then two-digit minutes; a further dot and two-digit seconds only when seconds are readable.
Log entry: 6.57.11
